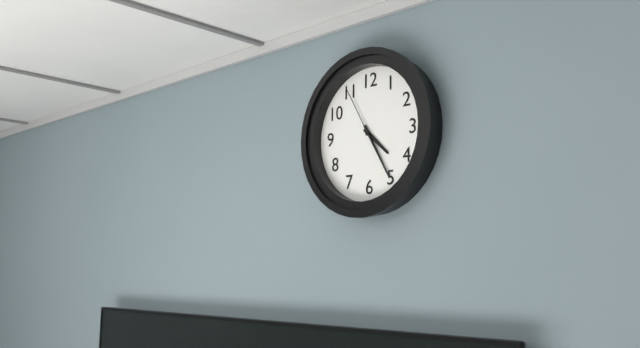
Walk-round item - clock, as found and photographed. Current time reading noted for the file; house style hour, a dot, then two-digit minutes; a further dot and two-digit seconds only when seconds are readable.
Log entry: 4.25.55
